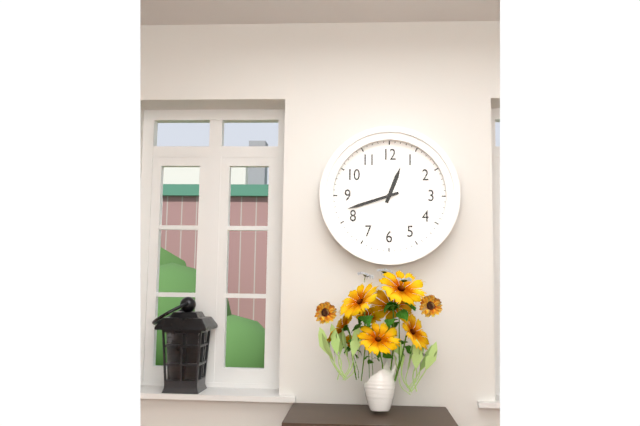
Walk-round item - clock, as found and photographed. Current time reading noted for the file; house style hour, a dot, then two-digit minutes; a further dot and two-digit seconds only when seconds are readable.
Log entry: 12.42
